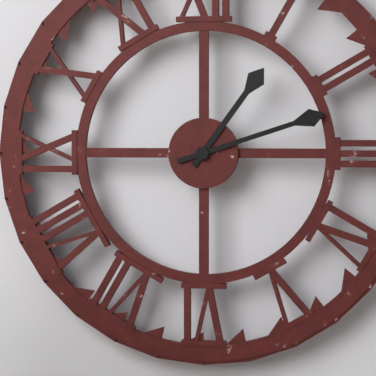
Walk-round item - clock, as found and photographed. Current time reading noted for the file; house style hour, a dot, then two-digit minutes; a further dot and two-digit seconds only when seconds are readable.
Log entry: 1.12
